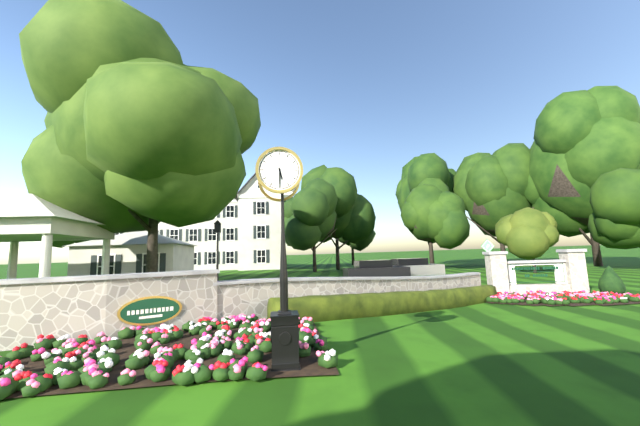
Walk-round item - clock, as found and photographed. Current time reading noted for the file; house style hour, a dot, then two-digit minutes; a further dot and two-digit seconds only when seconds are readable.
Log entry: 5.30
